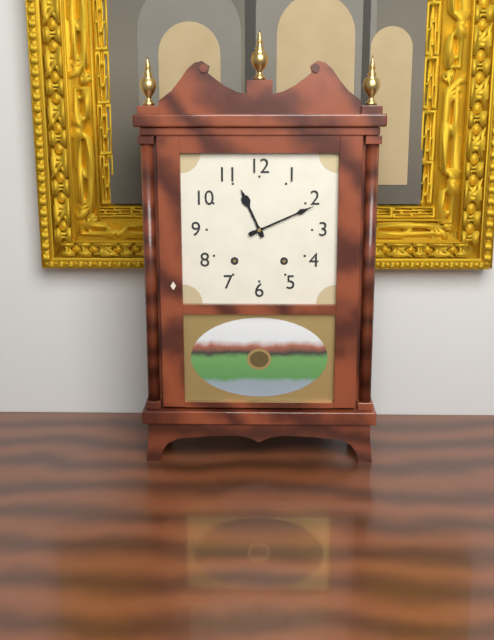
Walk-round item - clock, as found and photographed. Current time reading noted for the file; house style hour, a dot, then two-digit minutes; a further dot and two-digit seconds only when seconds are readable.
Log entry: 11.11
